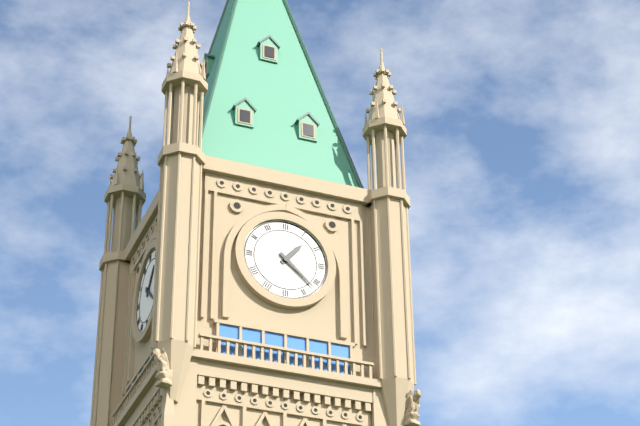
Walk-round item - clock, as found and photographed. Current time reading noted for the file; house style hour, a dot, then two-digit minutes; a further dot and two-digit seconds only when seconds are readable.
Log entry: 1.22
